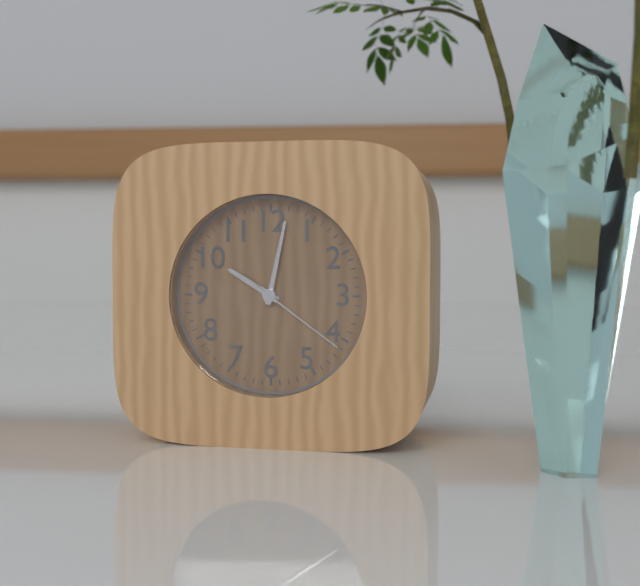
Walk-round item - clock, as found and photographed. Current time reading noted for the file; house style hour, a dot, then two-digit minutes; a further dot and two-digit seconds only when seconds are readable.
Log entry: 10.02.21
